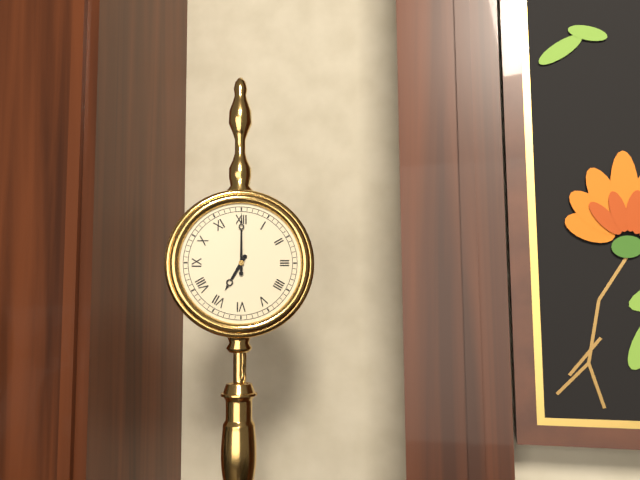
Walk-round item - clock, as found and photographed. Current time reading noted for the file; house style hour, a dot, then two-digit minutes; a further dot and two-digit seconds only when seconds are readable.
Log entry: 7.00
